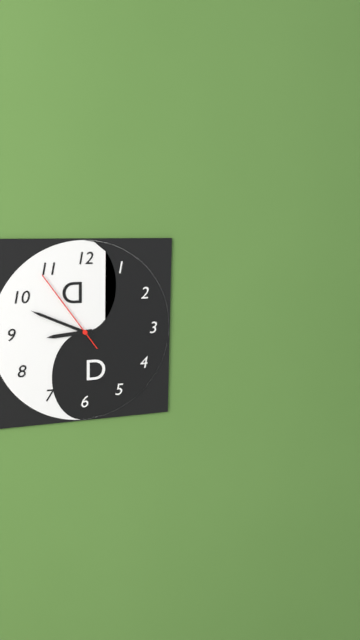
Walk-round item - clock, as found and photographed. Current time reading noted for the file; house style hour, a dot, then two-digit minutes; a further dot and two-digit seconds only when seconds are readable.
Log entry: 8.49.54
